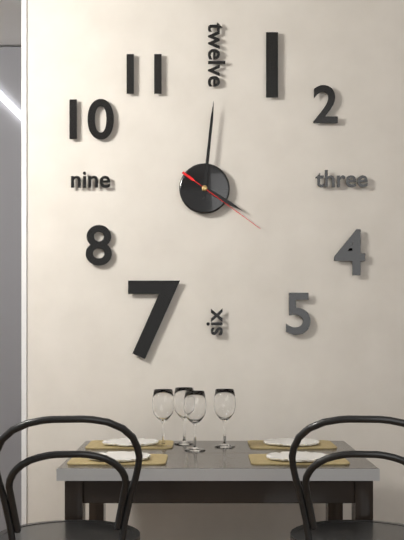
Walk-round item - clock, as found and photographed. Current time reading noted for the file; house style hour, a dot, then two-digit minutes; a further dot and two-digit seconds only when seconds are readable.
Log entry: 4.01.21
